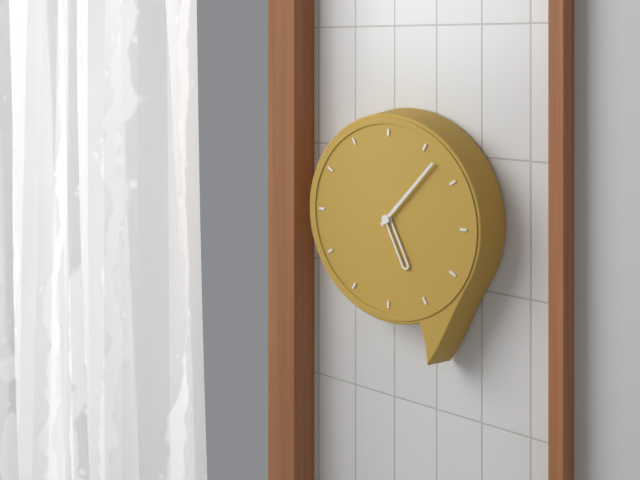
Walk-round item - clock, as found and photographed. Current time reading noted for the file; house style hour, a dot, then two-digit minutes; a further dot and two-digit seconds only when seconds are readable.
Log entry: 5.07
